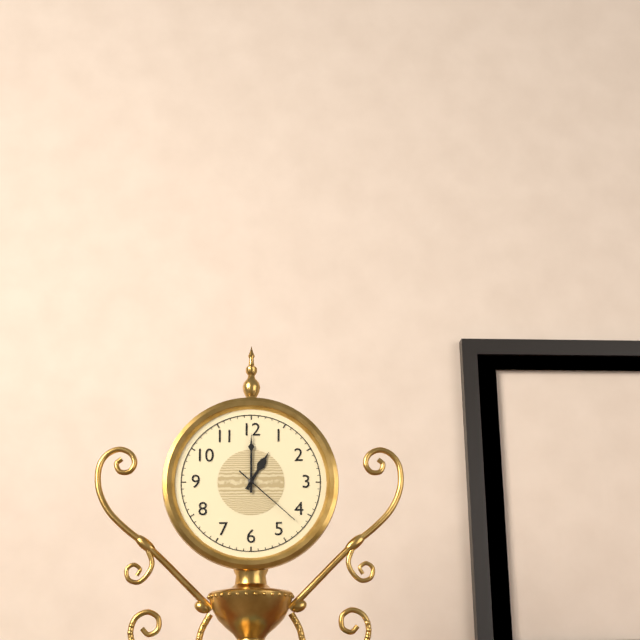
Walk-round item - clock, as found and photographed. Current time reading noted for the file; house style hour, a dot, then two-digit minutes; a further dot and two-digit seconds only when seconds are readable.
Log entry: 1.00.22
